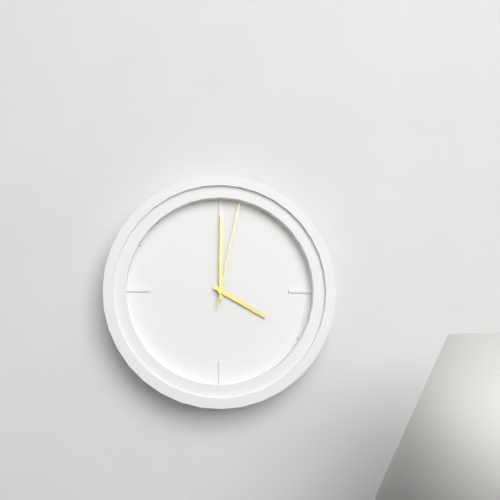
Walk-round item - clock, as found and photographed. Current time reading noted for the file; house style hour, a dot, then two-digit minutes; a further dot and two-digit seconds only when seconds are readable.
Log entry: 4.00.02
